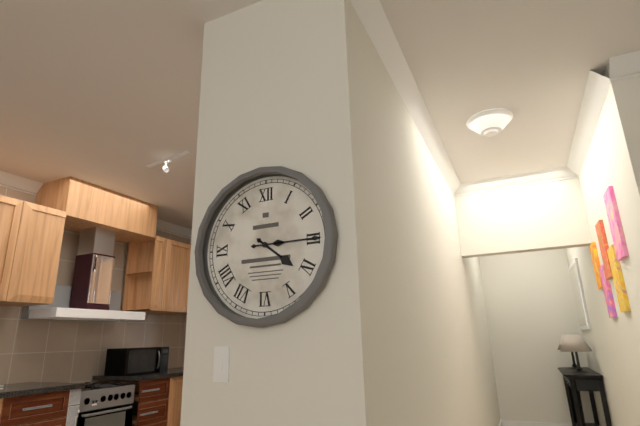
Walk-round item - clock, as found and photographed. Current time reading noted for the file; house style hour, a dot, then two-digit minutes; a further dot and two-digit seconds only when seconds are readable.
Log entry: 4.15
